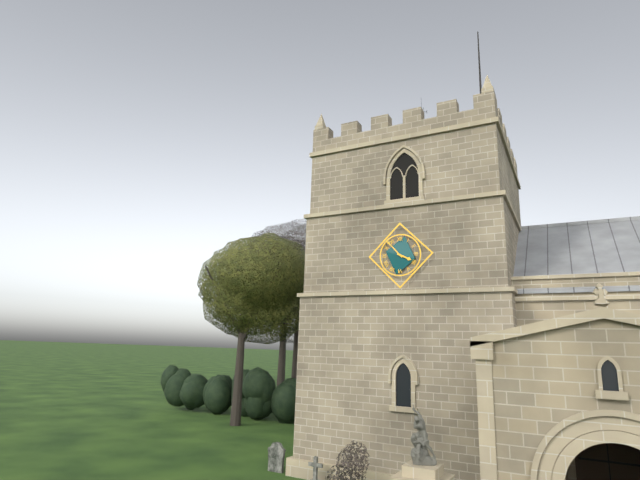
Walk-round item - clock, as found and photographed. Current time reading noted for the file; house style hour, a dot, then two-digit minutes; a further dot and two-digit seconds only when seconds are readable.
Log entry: 3.53
